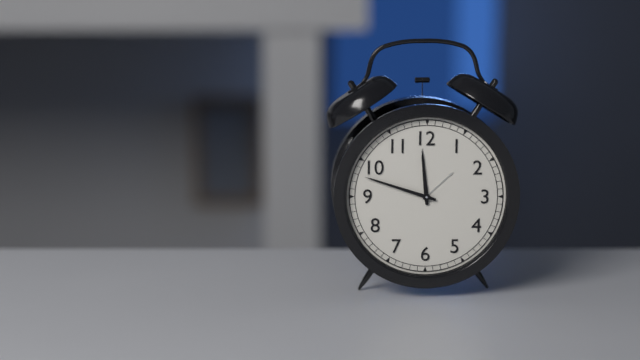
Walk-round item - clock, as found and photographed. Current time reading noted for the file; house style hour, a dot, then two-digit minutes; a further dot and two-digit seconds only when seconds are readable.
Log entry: 11.48
